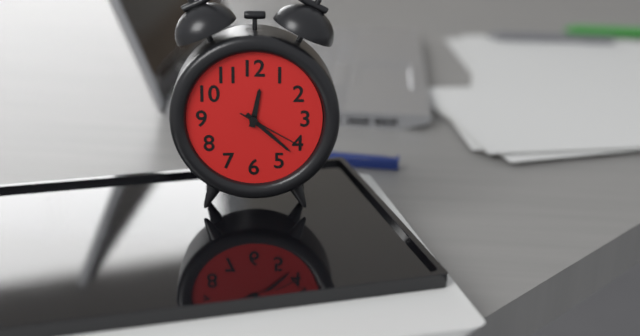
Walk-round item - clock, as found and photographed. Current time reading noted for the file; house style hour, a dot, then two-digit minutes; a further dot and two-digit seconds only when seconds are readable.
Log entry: 12.22.20
